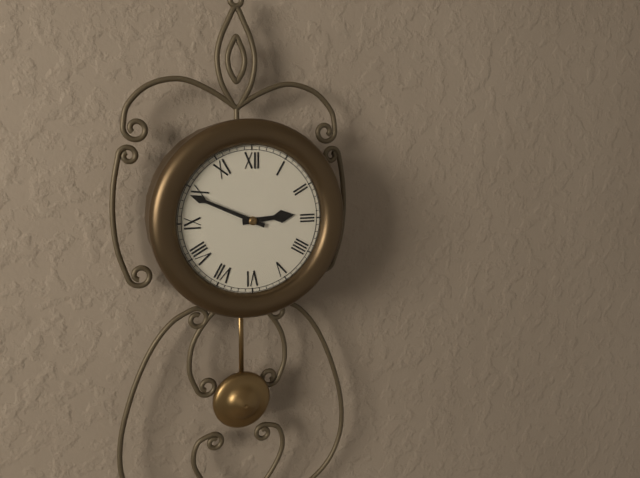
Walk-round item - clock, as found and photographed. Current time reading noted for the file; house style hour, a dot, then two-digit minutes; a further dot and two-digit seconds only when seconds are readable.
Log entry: 2.49
